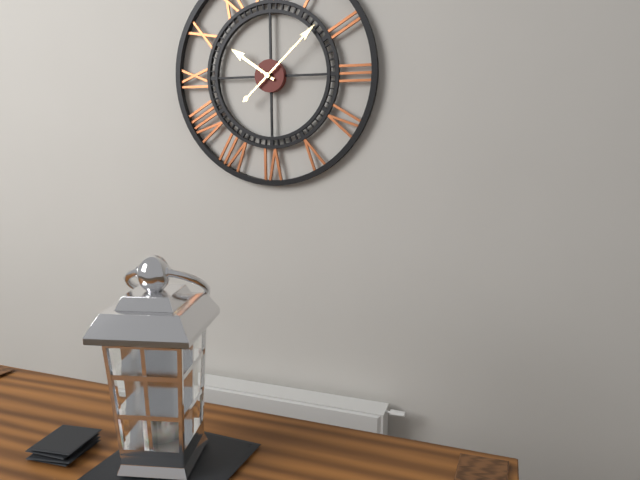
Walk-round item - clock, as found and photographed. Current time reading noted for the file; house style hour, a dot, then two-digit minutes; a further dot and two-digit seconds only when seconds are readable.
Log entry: 10.08
